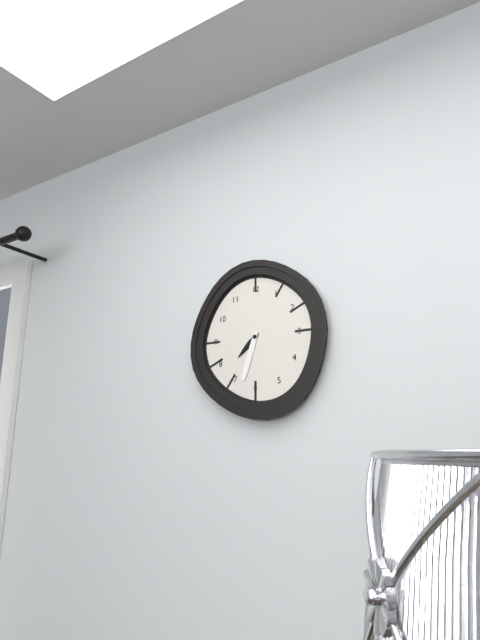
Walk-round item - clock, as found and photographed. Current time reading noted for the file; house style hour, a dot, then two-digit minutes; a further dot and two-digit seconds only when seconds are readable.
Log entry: 7.33
